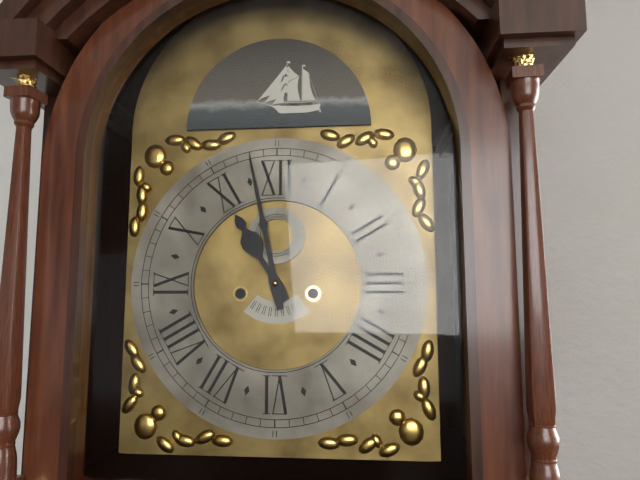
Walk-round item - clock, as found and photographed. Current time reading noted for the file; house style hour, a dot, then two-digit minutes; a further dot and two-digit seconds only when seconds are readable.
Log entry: 10.58
